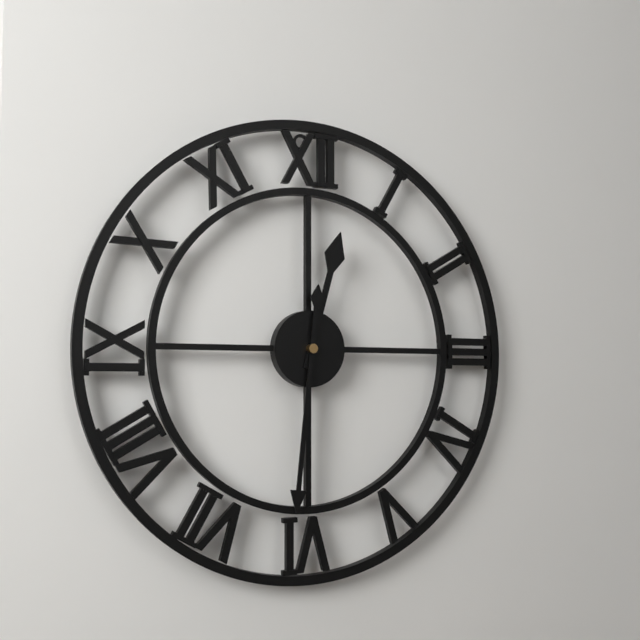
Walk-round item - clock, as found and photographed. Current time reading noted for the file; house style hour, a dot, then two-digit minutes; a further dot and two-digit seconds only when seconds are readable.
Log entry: 12.31
